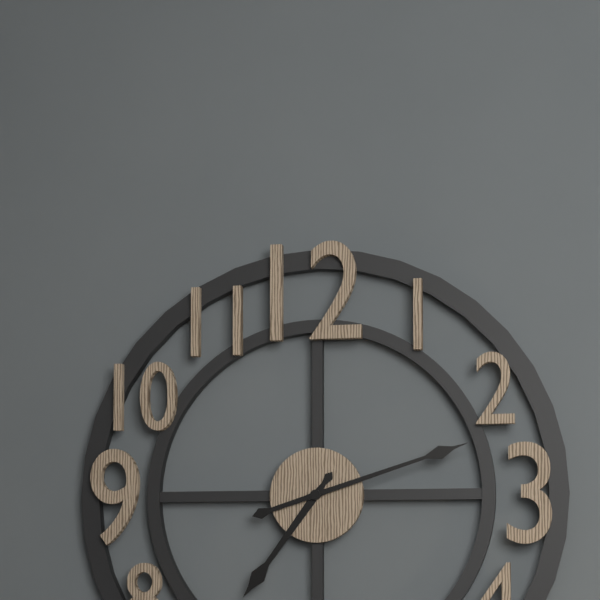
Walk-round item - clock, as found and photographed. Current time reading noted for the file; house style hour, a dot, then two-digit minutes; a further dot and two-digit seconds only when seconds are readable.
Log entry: 7.12
